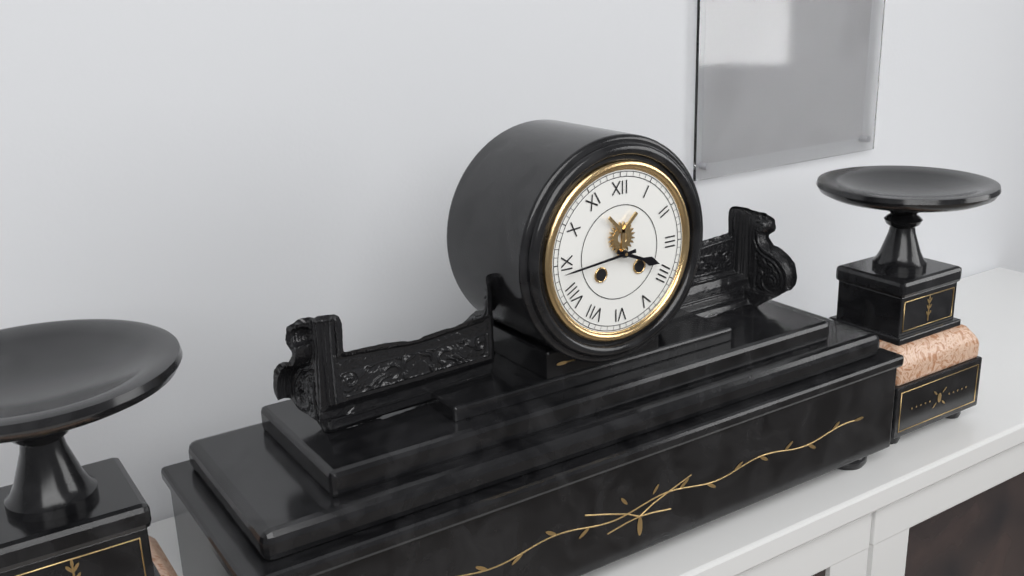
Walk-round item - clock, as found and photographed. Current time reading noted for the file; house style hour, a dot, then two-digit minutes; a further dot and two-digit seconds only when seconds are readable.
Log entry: 3.44
